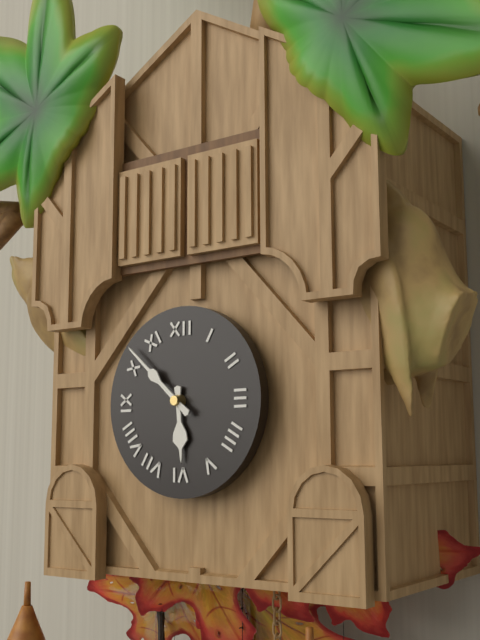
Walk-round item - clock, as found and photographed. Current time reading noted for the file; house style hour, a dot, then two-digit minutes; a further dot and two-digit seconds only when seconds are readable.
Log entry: 5.52
